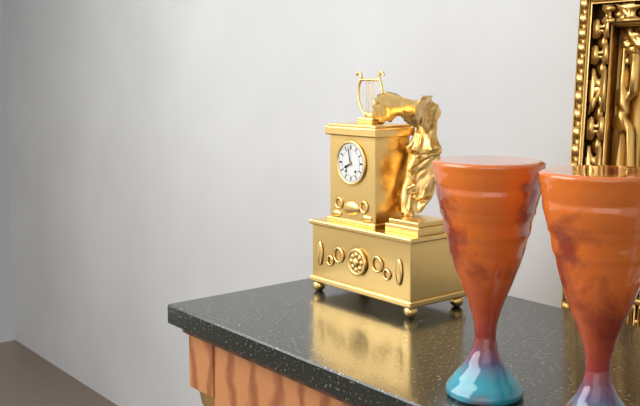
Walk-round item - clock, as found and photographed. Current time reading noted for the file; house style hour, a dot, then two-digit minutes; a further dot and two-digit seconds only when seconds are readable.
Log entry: 7.58
